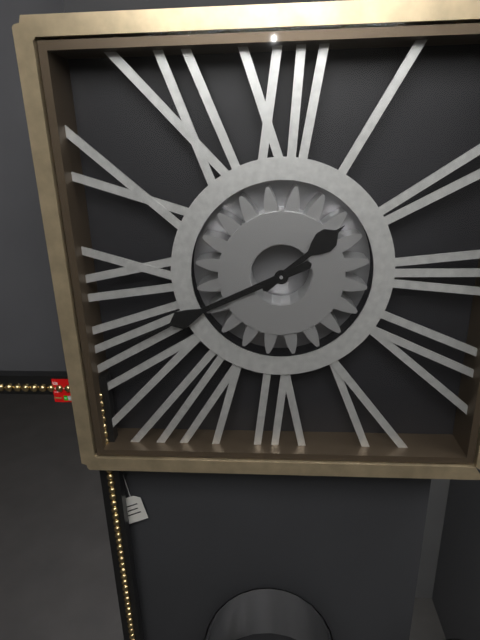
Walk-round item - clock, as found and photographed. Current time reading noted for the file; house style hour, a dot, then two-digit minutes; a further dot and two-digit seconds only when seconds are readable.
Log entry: 1.41
